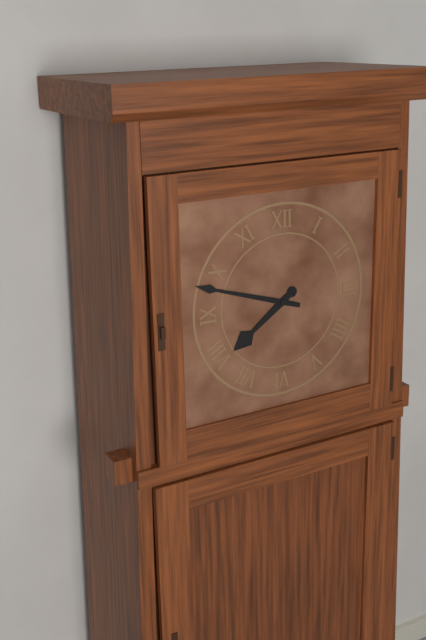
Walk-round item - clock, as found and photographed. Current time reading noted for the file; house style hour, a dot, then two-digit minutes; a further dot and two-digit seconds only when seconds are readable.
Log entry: 7.48
